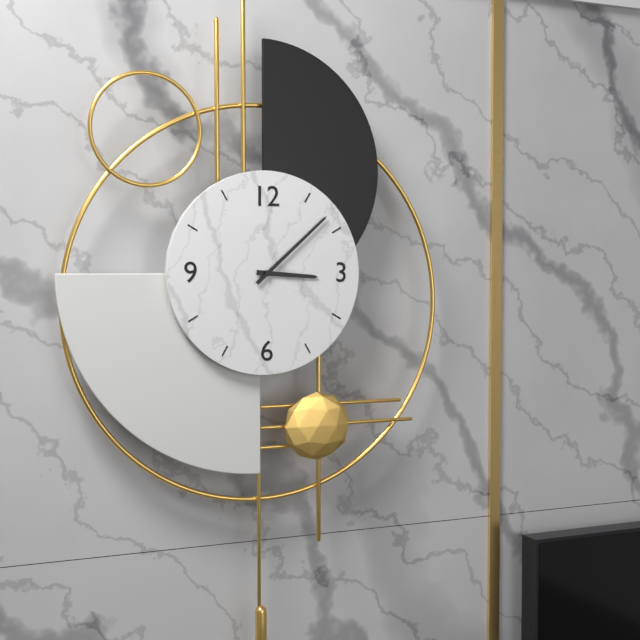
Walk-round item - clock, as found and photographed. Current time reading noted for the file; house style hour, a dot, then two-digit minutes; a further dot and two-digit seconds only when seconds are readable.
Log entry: 3.08
